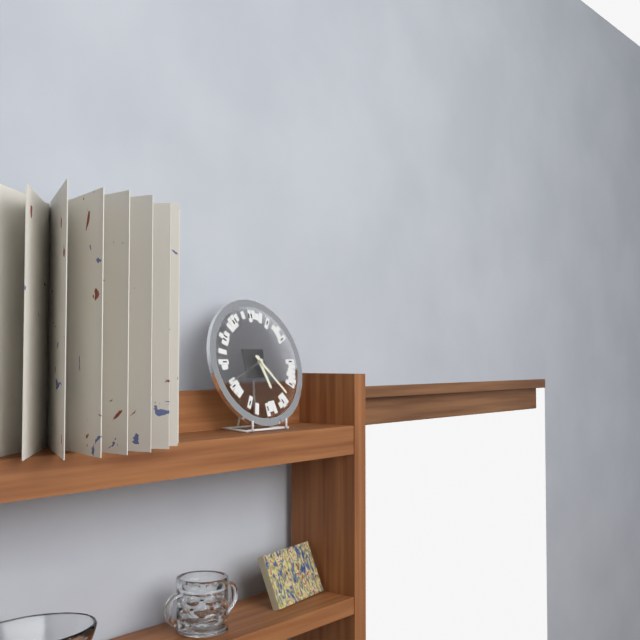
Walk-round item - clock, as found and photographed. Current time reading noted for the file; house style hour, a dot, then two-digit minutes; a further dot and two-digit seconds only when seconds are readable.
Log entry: 5.23
